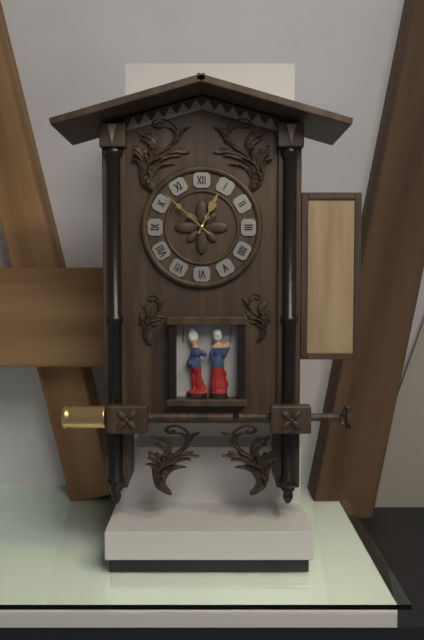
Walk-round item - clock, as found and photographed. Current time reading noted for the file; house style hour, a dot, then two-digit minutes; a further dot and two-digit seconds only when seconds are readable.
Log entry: 12.52
